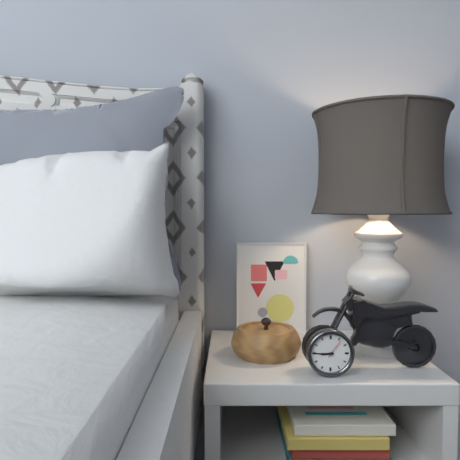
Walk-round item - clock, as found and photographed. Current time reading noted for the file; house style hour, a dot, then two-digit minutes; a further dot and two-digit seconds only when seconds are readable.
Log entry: 8.45
